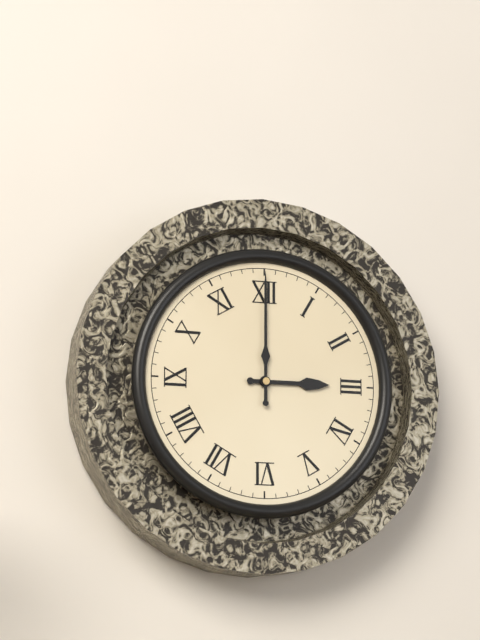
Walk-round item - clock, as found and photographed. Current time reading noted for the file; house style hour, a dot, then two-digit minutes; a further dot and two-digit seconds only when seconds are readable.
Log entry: 3.00
